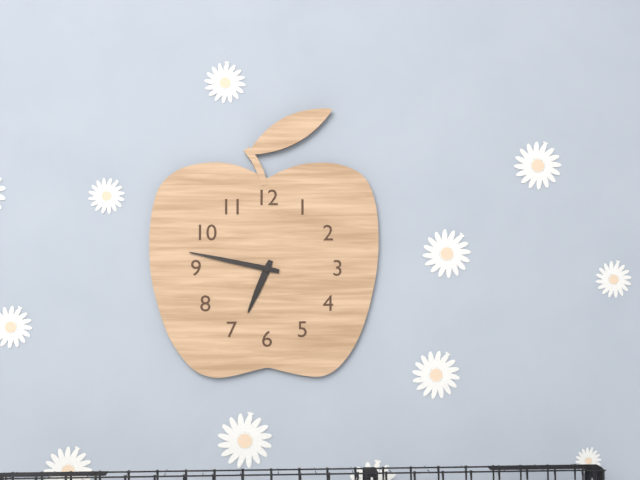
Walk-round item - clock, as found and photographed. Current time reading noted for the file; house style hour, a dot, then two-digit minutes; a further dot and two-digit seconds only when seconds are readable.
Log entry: 6.47
